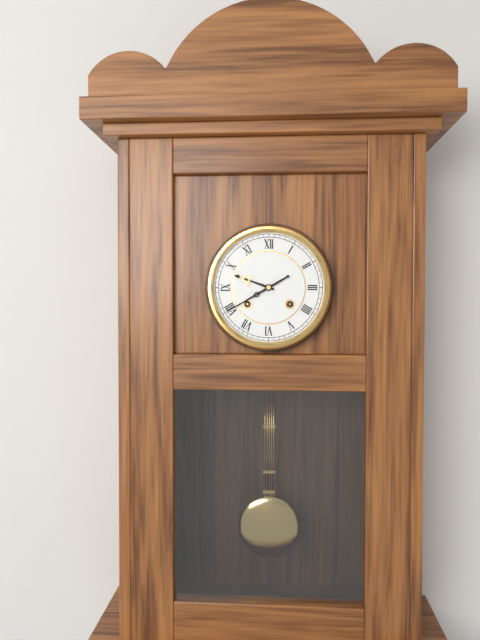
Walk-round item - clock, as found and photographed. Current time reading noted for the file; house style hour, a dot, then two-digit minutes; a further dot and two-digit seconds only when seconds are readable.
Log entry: 9.40
